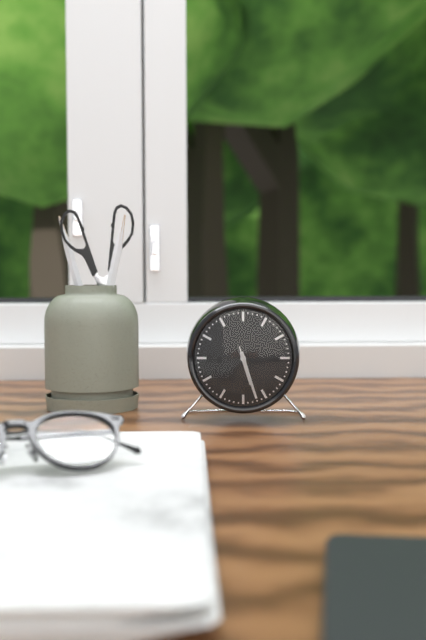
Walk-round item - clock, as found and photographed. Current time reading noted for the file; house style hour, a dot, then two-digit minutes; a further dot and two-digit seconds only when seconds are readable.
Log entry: 5.27.27
